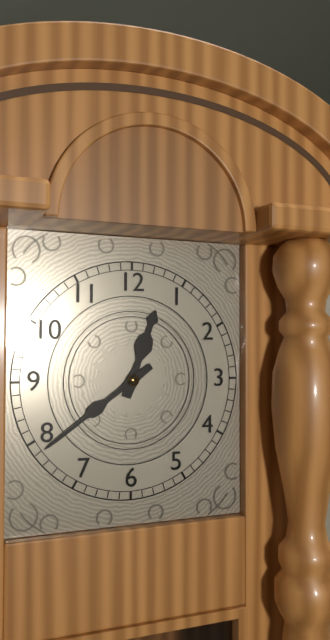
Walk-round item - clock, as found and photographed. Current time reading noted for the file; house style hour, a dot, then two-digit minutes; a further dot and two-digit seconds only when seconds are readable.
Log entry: 12.39
